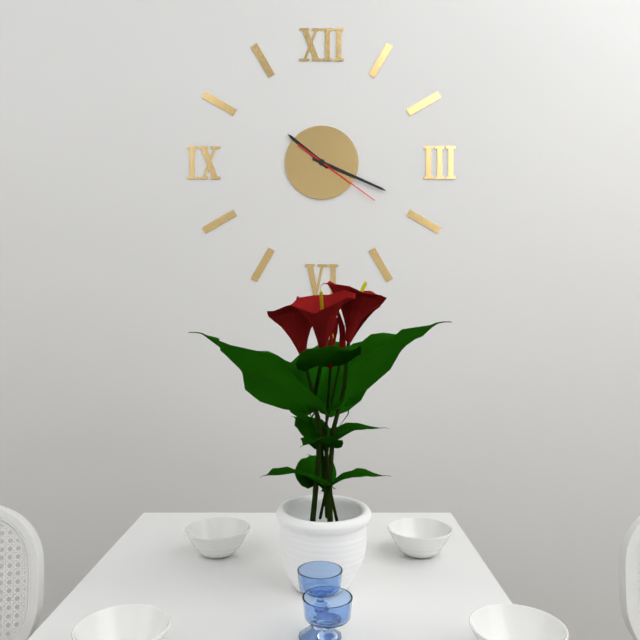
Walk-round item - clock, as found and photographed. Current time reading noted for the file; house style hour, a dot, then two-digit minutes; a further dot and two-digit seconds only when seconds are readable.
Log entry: 10.19.21
